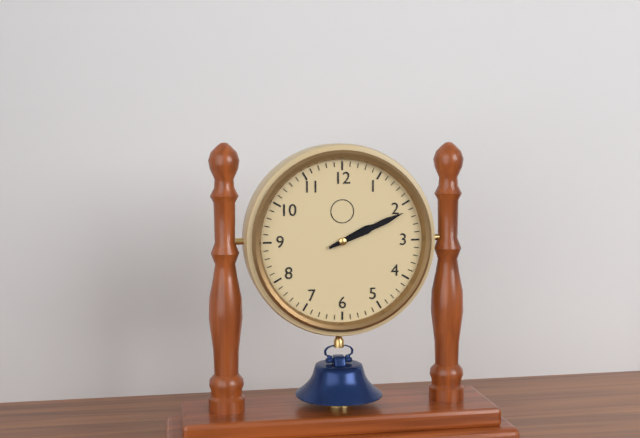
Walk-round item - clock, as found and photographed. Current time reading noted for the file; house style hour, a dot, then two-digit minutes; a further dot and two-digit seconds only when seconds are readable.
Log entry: 2.11
